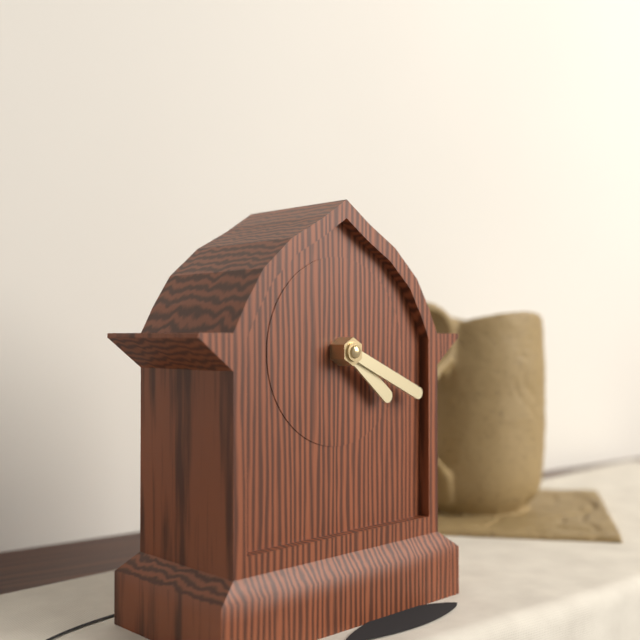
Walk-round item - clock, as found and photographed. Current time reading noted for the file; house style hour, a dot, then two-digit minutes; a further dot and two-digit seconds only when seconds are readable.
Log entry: 4.19
